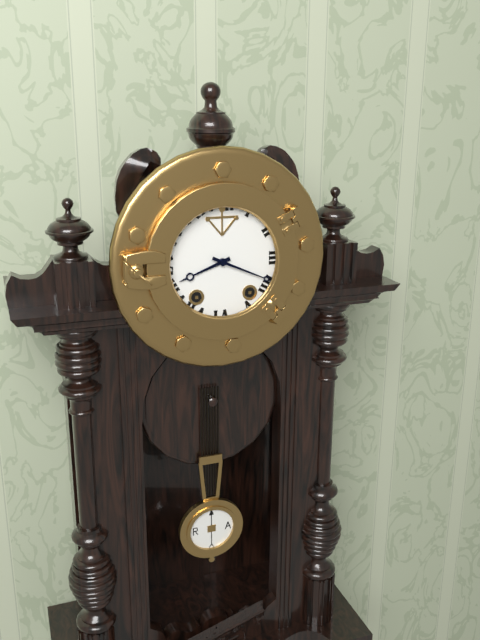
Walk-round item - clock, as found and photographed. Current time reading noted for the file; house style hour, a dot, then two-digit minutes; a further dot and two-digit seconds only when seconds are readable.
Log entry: 8.19
